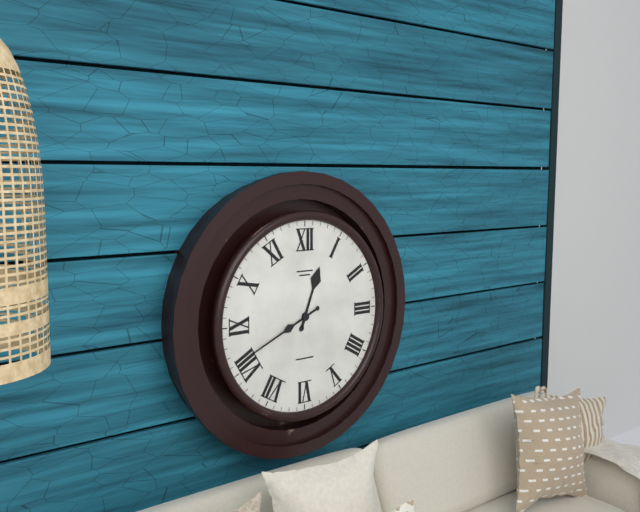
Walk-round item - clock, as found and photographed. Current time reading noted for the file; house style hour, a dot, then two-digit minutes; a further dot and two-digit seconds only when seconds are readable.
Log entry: 12.41
